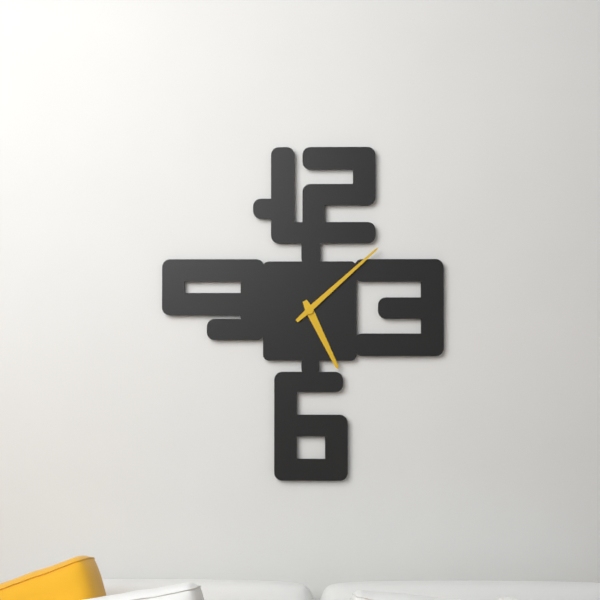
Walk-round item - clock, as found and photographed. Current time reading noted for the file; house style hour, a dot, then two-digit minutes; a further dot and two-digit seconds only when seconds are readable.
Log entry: 5.08
